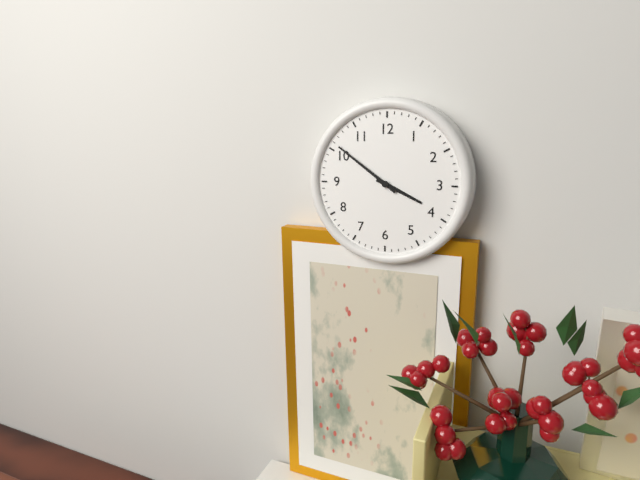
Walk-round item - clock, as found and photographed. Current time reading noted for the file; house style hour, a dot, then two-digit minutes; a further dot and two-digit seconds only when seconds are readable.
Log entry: 3.51
